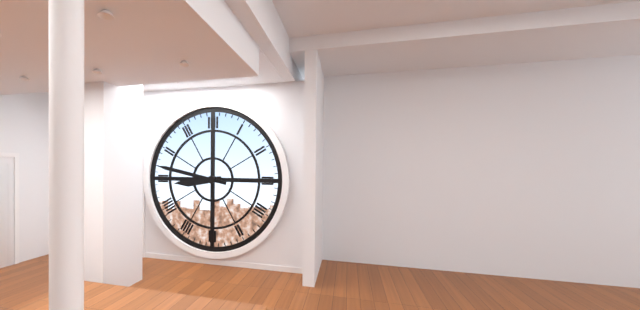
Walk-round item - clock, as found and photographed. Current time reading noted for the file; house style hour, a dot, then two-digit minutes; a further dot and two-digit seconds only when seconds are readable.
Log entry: 8.47
